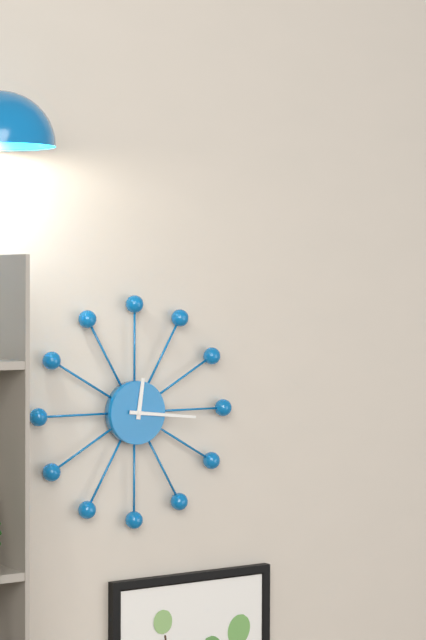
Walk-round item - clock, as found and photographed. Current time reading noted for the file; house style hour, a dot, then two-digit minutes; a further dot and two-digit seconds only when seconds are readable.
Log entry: 12.16
